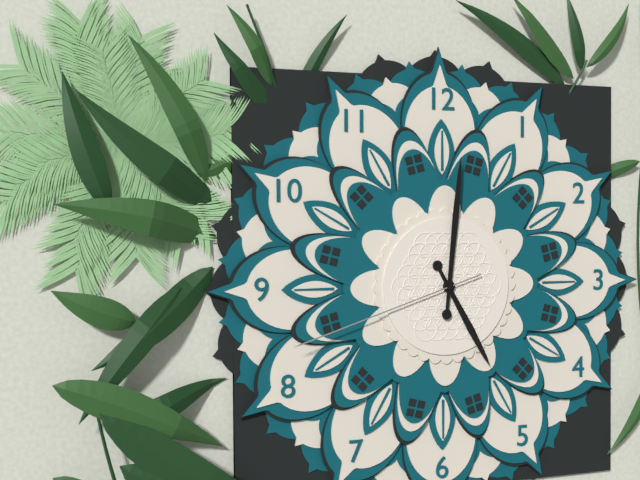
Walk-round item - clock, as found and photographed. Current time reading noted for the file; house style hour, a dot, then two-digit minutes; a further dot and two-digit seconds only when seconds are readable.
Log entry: 5.01.42
